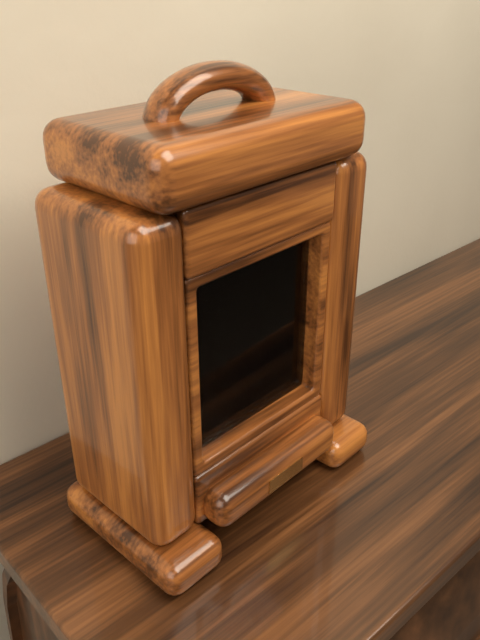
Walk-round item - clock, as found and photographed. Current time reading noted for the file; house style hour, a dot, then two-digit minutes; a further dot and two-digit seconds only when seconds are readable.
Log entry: 3.49.47
